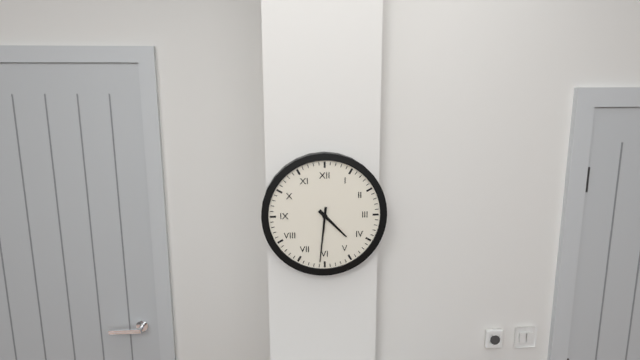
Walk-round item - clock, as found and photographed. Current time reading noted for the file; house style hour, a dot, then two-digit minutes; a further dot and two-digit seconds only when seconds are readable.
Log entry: 4.31
